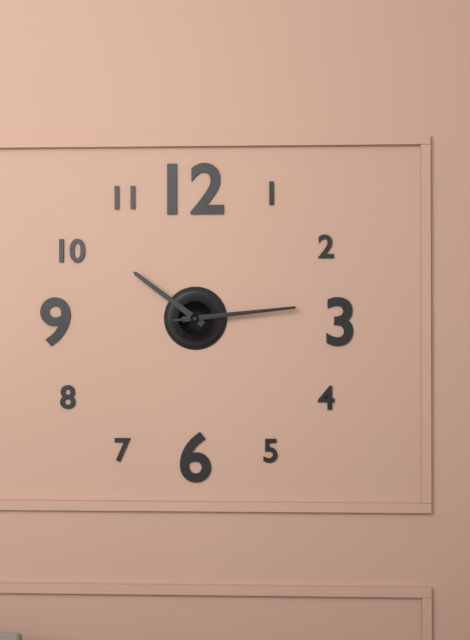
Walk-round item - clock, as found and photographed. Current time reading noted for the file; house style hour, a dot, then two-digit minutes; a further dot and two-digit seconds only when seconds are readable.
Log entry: 10.14.14
